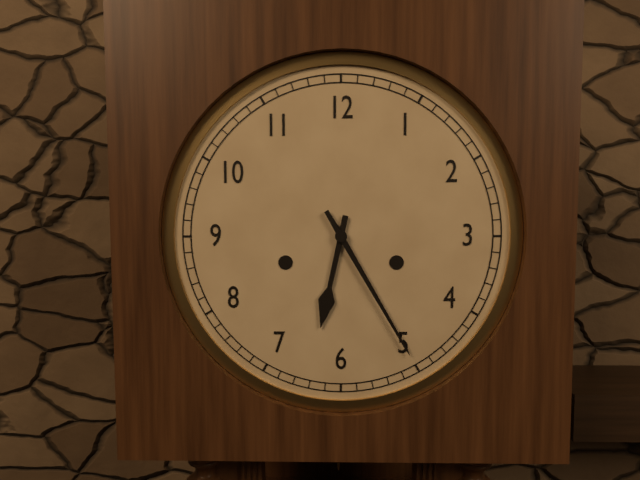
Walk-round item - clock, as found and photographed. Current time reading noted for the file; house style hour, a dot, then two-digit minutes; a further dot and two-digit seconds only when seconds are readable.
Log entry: 6.25
